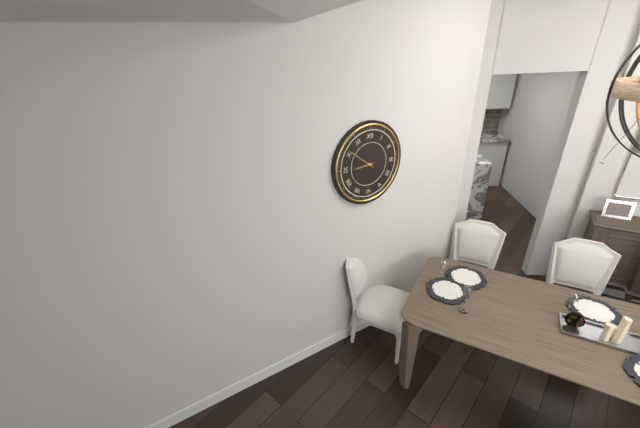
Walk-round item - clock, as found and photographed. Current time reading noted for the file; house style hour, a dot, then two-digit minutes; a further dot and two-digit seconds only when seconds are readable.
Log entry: 8.51
